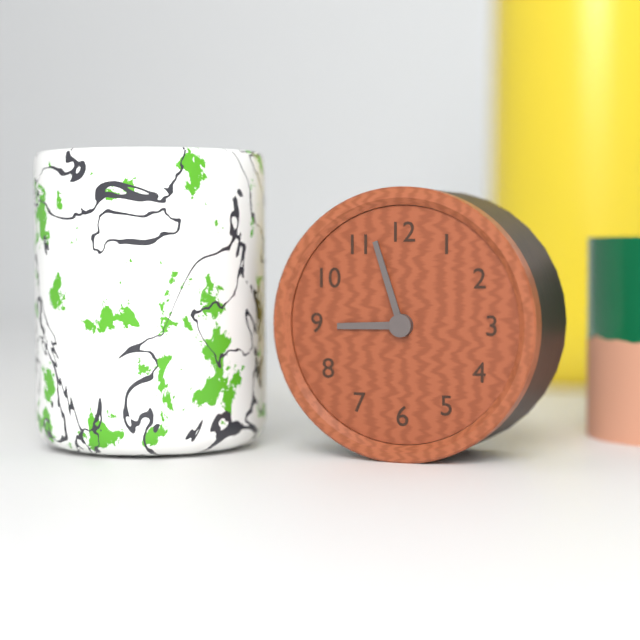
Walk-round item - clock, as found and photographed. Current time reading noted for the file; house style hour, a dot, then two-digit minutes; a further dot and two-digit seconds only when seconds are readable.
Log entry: 8.57
